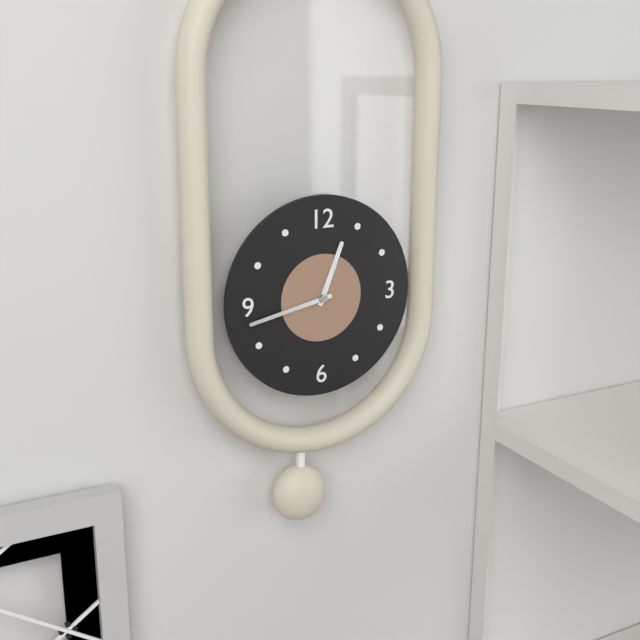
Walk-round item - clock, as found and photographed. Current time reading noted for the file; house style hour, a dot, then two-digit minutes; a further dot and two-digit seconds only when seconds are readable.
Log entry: 12.43
